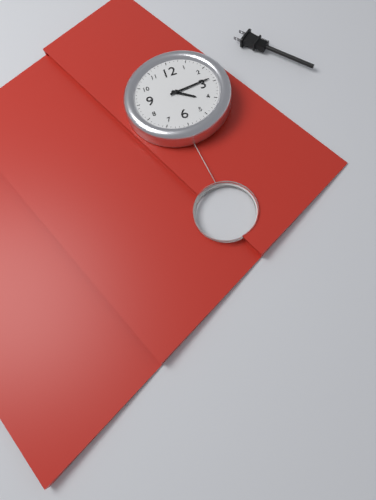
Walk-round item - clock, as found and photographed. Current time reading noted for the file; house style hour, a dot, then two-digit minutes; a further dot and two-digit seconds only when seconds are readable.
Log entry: 4.14
